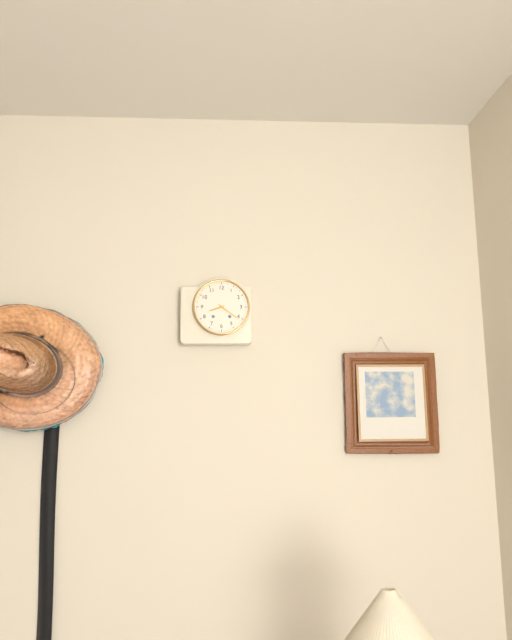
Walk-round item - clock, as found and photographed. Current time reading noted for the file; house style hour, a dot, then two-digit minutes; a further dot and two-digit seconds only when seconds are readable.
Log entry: 8.21
